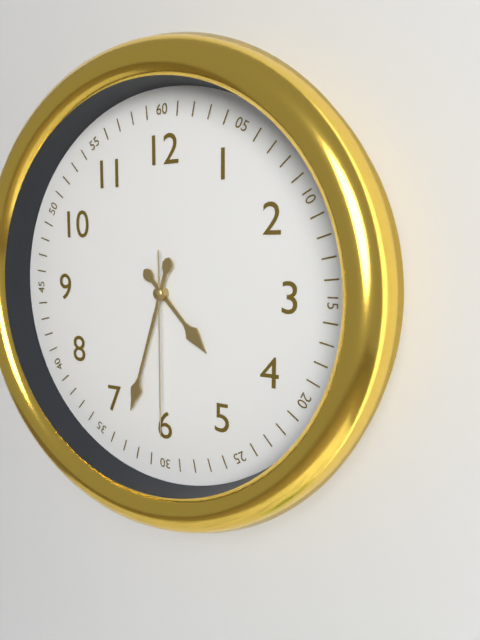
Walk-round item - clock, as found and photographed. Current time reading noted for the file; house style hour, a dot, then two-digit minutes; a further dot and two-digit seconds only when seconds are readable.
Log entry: 4.33.30
